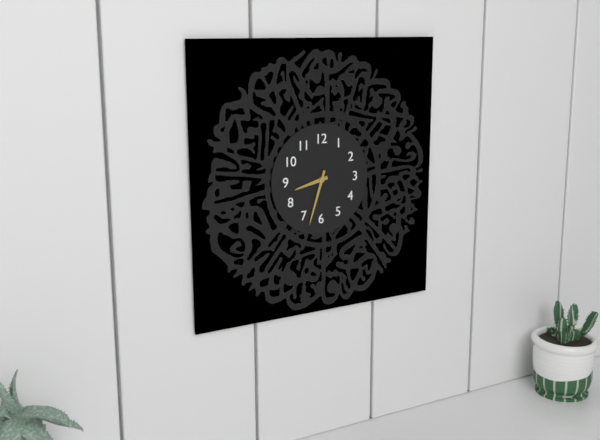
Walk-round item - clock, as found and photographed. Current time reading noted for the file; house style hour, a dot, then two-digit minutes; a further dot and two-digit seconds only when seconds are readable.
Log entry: 8.33
